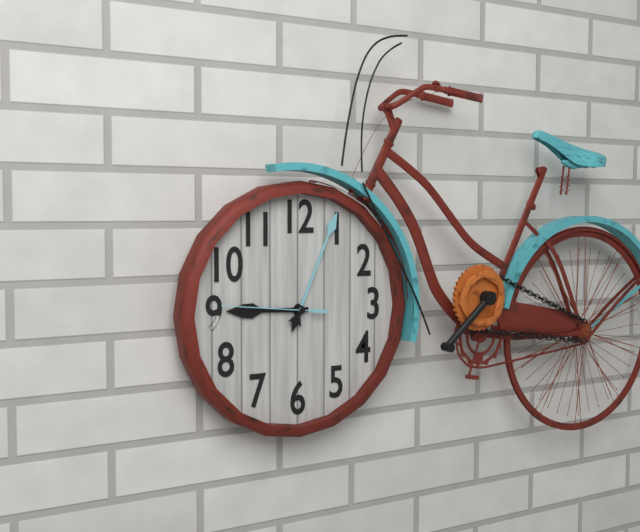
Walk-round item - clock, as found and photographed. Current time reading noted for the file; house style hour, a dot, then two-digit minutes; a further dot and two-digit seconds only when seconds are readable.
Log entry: 9.04.46
